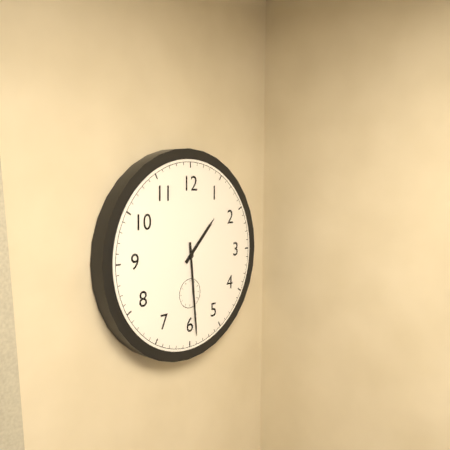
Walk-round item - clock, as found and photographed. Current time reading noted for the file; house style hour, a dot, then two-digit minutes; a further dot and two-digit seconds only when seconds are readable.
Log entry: 1.29
